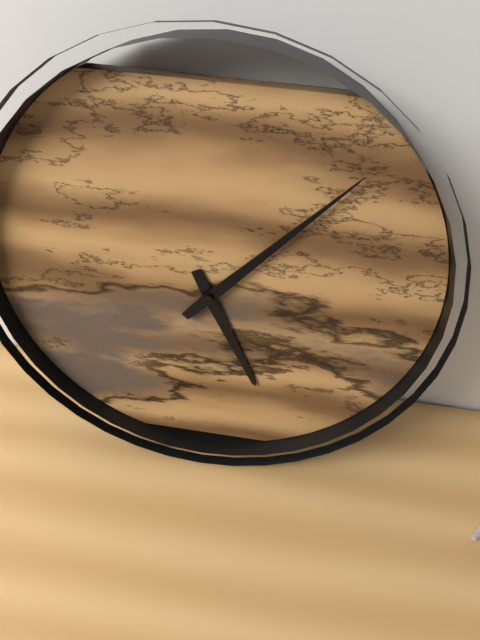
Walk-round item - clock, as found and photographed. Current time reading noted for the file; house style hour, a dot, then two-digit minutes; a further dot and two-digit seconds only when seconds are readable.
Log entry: 5.07
